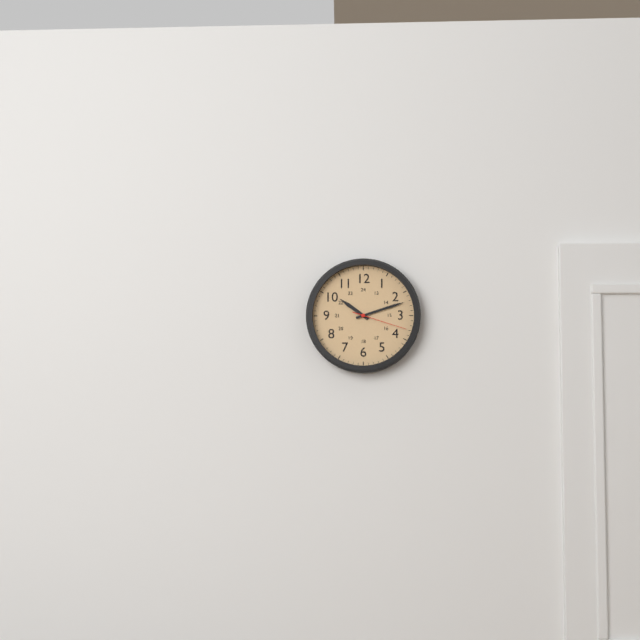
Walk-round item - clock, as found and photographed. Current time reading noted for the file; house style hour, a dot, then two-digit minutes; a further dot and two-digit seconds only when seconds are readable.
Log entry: 10.12.18
